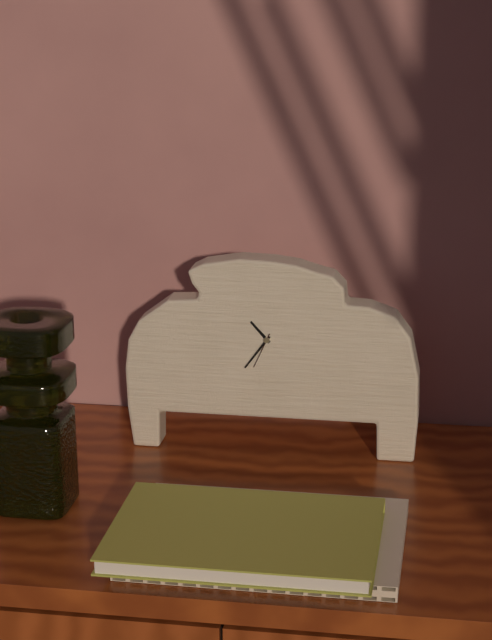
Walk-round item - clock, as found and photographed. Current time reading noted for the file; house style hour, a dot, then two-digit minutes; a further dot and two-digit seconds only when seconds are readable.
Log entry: 10.36
